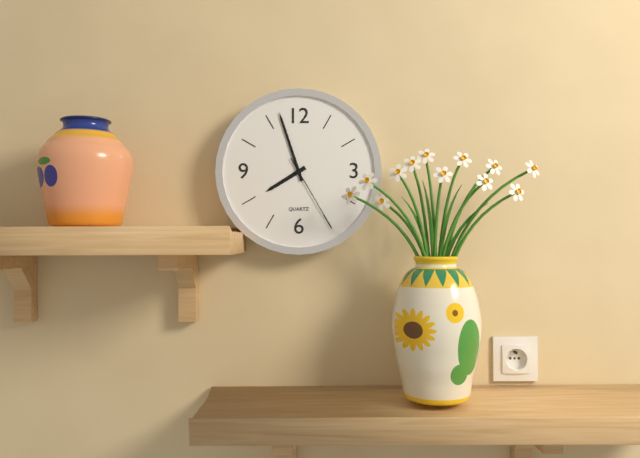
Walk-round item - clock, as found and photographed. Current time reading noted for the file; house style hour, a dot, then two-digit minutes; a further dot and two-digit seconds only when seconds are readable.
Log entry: 7.57.25
